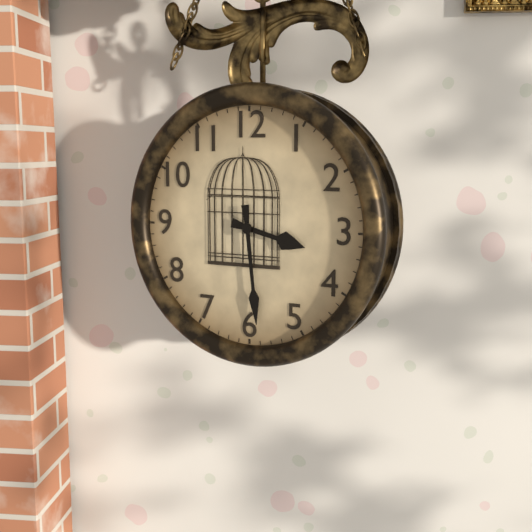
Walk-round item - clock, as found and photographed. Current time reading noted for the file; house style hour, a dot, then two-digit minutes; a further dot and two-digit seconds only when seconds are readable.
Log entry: 3.29
